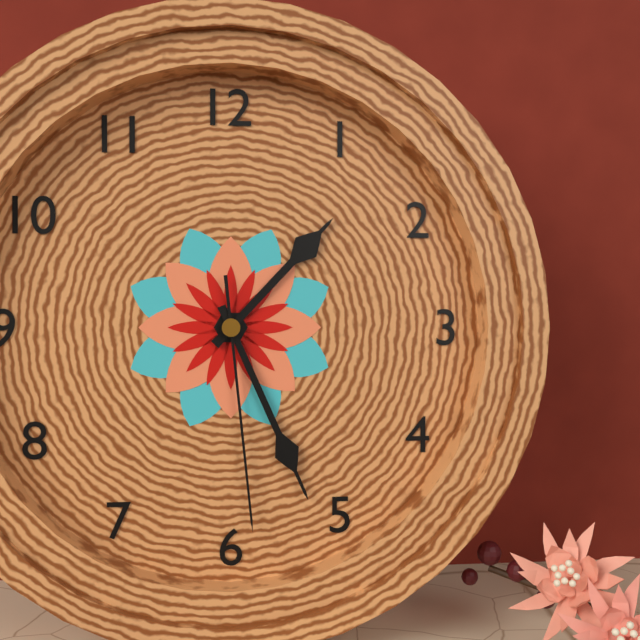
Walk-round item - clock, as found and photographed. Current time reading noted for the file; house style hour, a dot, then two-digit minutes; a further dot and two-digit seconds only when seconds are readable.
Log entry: 1.26.29
